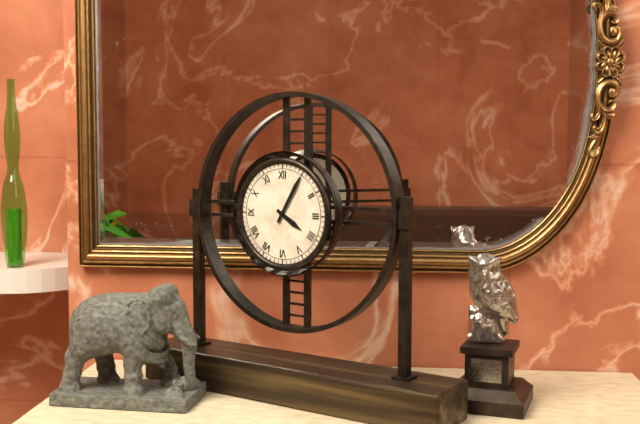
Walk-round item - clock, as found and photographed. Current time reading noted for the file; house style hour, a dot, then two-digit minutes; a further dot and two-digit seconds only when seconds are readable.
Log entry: 4.05
